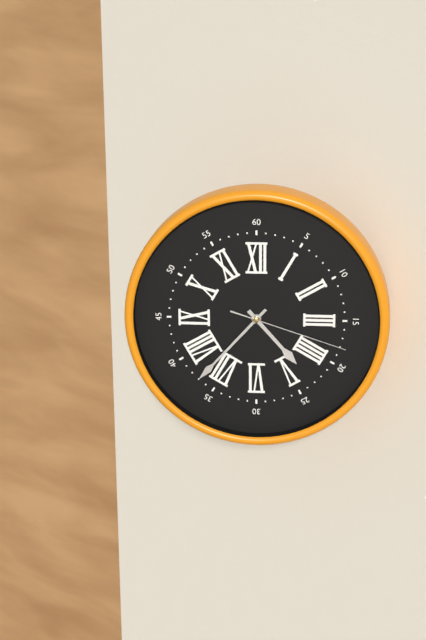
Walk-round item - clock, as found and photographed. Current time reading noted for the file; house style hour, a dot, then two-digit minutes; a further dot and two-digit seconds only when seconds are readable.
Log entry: 4.37.18
